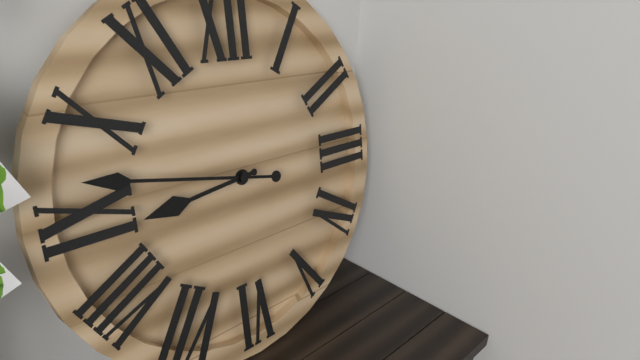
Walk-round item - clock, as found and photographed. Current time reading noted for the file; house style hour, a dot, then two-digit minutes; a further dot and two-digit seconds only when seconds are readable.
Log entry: 8.47
